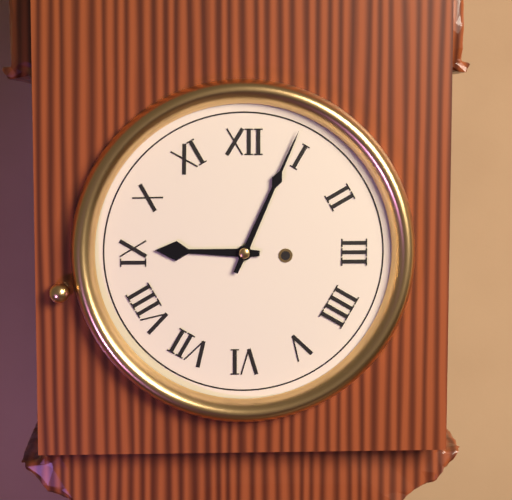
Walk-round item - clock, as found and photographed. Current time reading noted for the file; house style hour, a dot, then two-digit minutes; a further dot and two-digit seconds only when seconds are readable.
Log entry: 9.04
